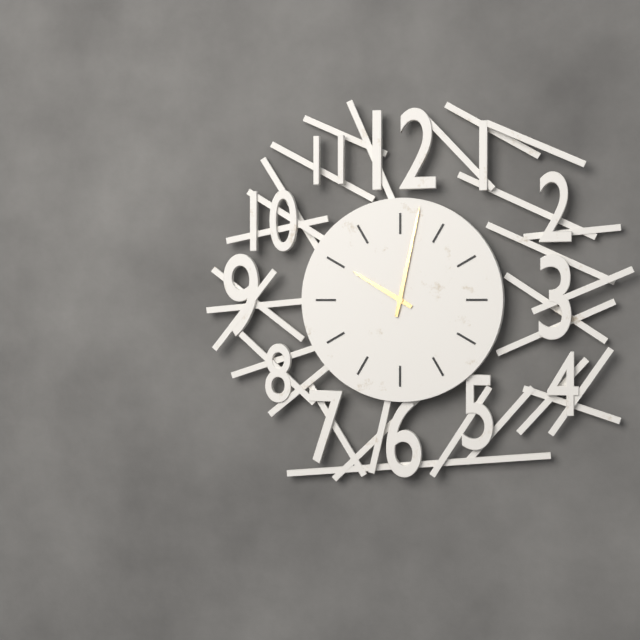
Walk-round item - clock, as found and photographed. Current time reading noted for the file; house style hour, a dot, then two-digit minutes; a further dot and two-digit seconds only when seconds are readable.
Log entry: 10.02
